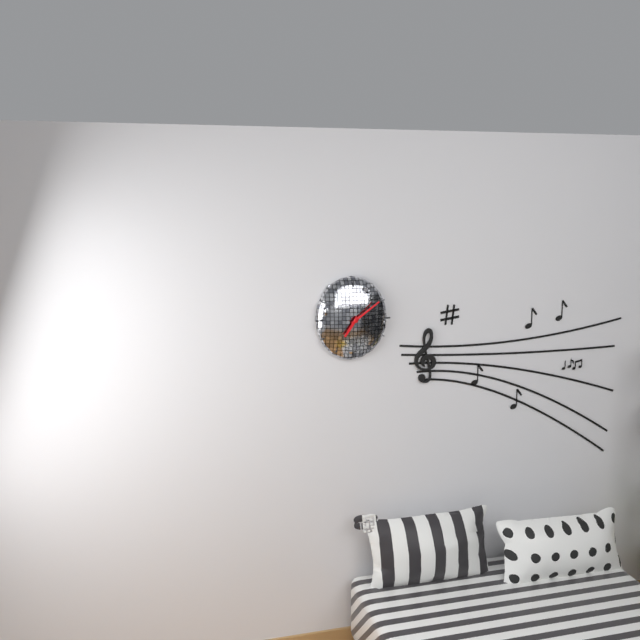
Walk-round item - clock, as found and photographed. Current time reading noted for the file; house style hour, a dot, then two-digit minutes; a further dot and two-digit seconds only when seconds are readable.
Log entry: 7.09
